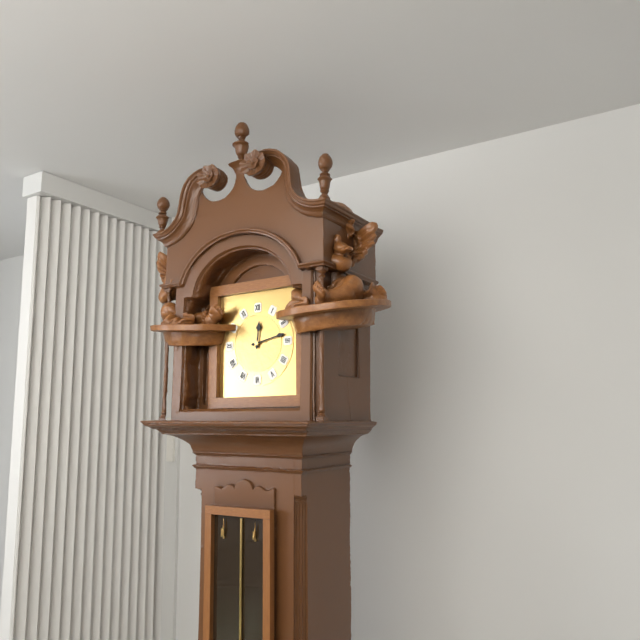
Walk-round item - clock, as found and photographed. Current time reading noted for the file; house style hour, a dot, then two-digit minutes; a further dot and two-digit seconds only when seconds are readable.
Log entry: 12.13
